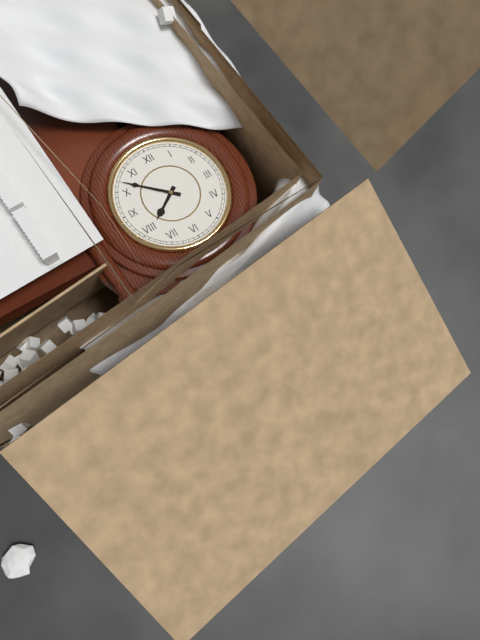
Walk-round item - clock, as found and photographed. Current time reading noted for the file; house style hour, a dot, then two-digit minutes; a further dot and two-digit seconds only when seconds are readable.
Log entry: 7.52
